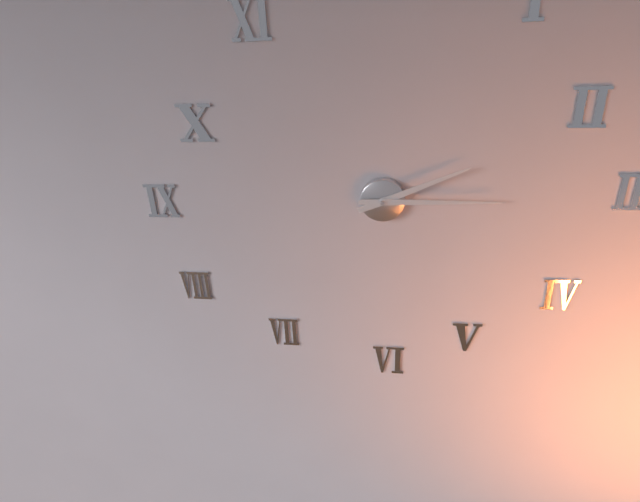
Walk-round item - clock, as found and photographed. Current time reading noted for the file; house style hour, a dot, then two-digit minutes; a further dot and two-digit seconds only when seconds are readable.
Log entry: 2.15
